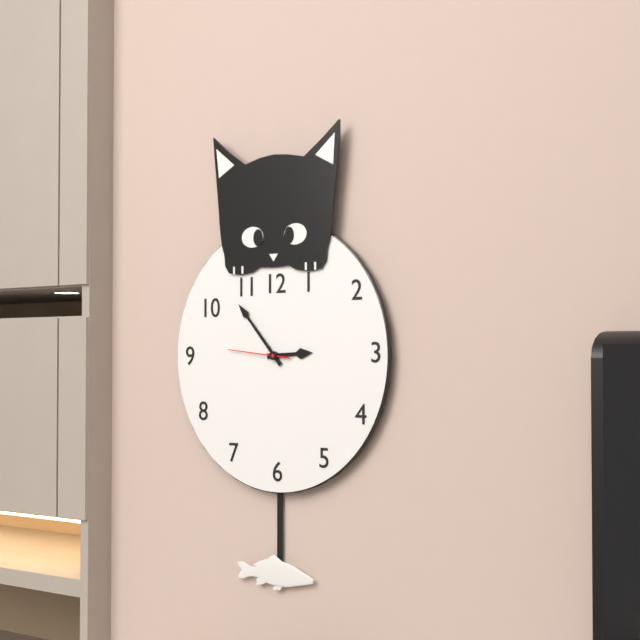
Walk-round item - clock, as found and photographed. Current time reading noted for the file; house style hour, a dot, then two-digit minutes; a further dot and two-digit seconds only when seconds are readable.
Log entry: 2.53.46
